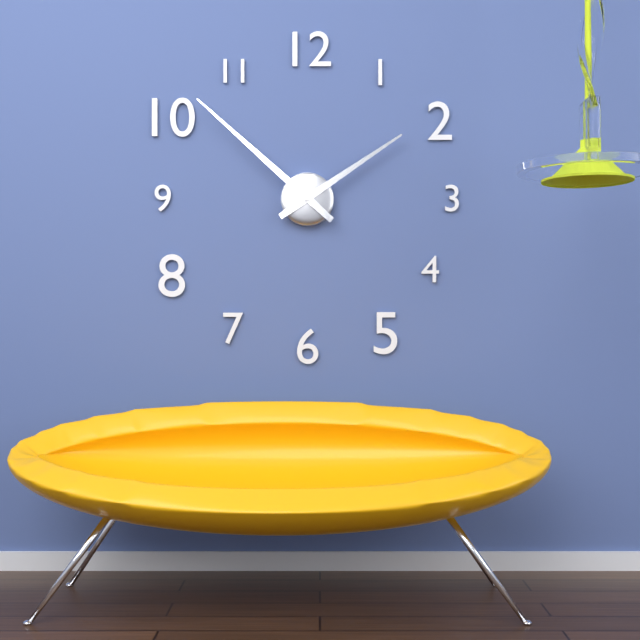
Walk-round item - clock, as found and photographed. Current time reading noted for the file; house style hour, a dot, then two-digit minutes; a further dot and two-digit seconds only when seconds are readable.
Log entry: 1.52
